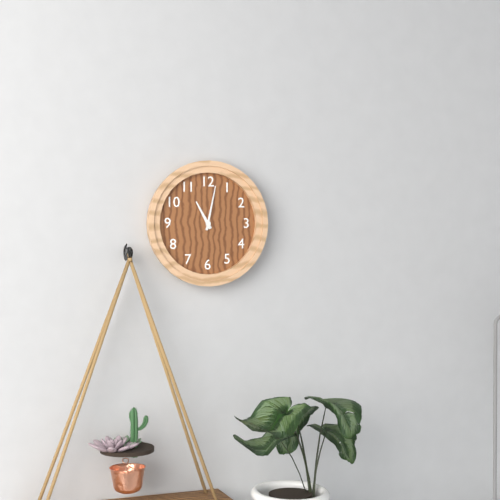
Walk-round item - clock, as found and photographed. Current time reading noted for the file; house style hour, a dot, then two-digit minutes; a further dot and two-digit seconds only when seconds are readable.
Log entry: 11.02
